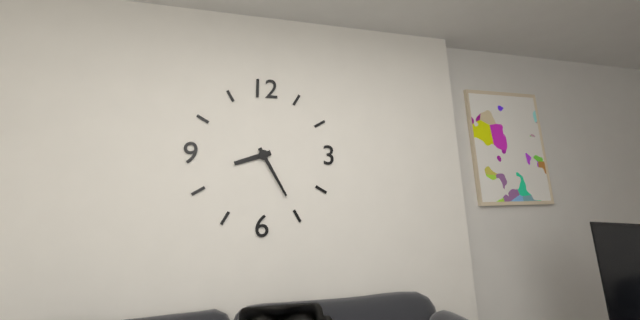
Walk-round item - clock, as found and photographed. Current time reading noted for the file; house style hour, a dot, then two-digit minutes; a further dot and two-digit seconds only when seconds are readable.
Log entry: 8.25
